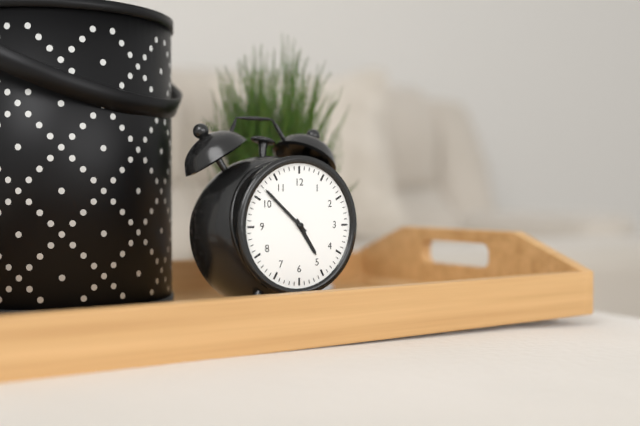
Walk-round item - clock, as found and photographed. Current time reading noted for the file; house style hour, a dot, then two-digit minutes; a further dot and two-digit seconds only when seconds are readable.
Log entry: 4.52
